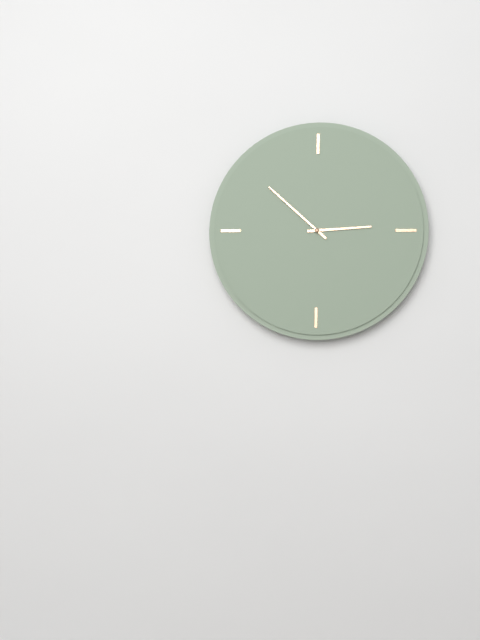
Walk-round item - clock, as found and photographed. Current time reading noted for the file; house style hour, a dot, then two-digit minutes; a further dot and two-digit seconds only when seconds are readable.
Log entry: 2.52
